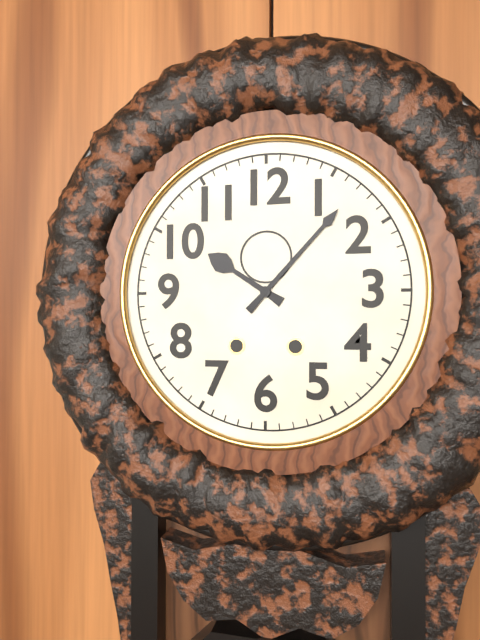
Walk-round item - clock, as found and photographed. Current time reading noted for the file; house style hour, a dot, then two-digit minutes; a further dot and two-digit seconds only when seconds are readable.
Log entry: 10.07
